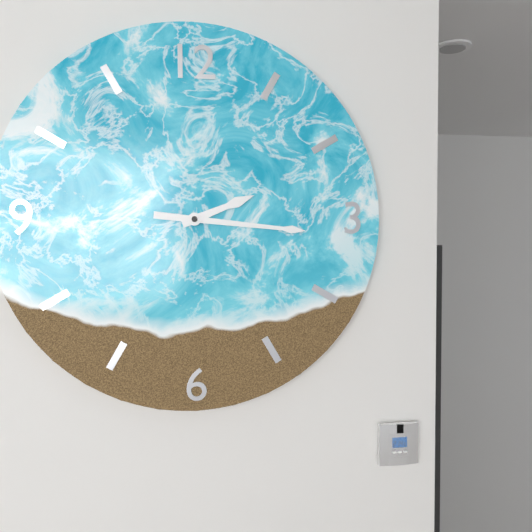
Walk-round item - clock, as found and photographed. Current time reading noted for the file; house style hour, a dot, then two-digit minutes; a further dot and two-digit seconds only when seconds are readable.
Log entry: 2.16
